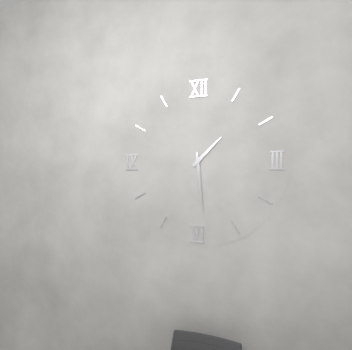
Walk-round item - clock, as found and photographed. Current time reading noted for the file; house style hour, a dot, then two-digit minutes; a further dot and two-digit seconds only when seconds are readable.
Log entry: 1.29
